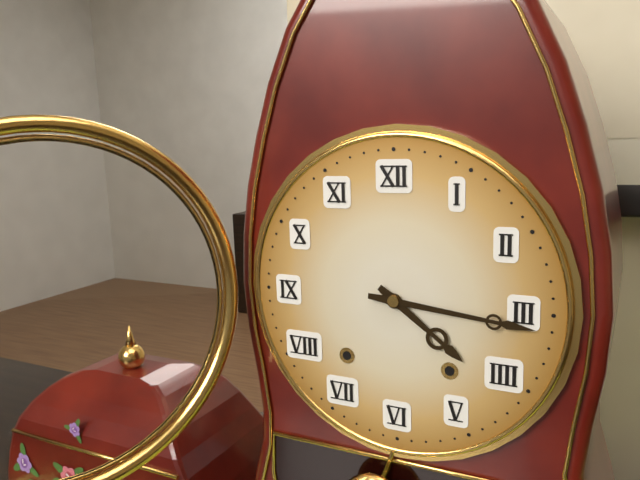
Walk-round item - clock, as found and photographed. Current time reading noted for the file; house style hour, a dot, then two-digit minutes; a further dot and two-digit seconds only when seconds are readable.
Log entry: 4.16
